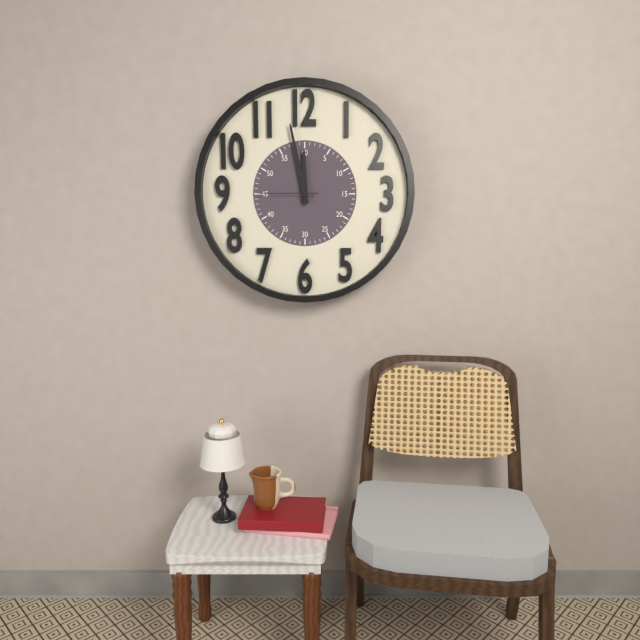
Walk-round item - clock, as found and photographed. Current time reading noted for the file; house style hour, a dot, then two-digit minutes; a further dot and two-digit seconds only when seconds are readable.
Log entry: 11.58.45
